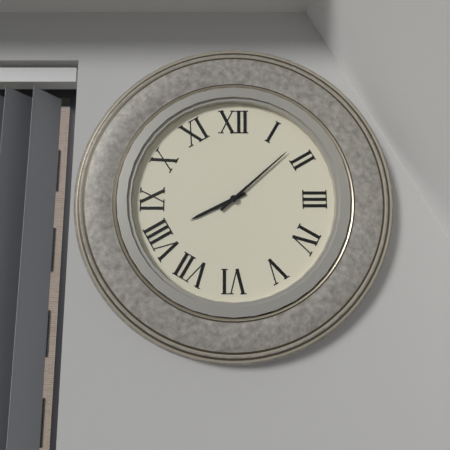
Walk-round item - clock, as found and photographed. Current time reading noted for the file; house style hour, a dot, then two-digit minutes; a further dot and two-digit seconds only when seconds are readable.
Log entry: 8.08
